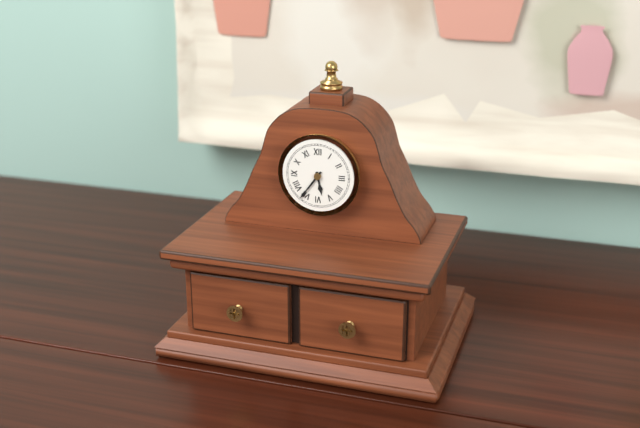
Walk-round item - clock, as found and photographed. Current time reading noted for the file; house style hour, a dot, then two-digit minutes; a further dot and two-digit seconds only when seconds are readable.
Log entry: 5.36
